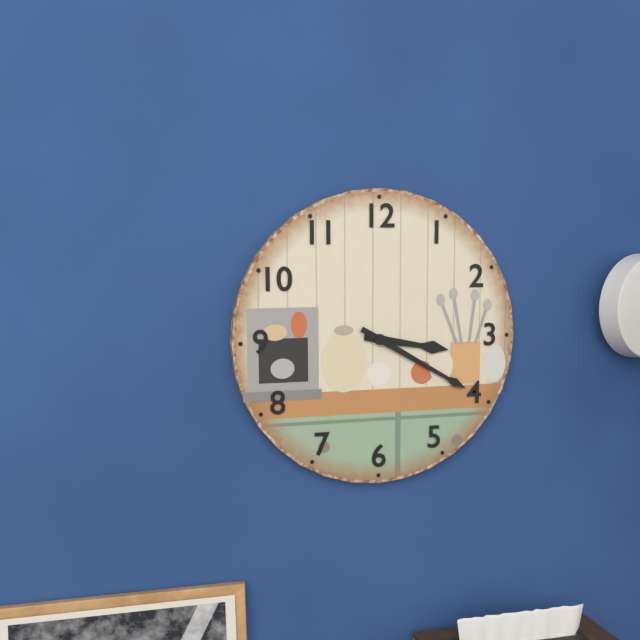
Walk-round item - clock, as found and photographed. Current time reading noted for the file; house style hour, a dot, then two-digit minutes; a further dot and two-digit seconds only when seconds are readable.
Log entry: 3.20
